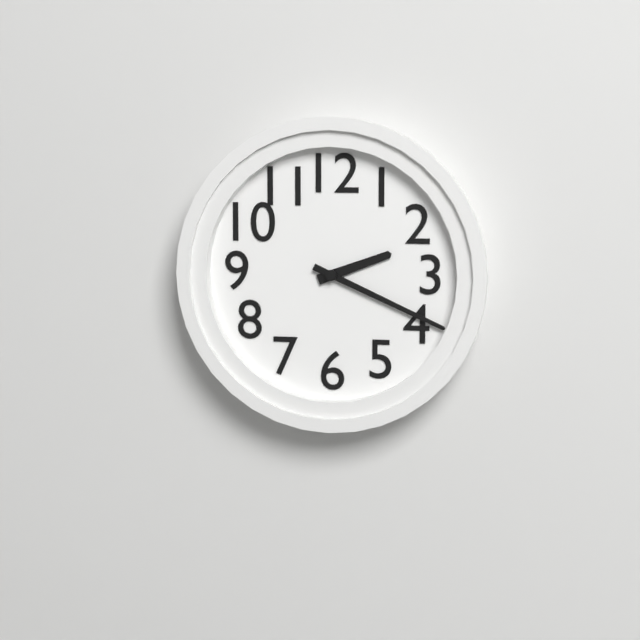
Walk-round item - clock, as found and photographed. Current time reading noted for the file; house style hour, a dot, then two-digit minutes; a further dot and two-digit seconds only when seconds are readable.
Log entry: 2.19
